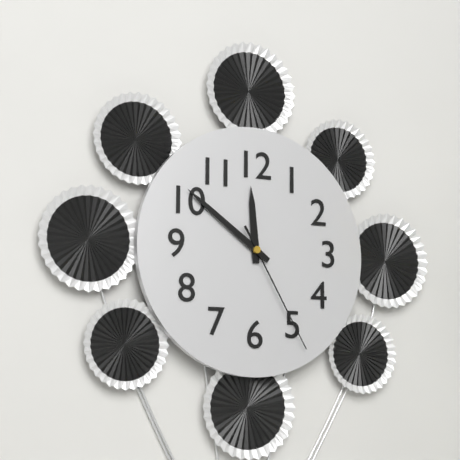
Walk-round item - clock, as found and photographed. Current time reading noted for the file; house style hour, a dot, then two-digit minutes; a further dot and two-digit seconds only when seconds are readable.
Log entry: 11.51.25
